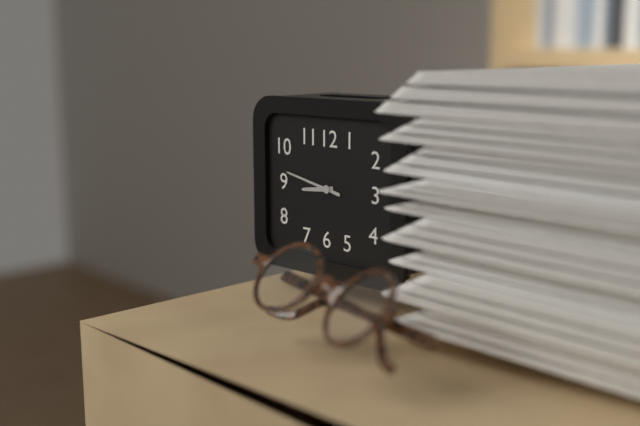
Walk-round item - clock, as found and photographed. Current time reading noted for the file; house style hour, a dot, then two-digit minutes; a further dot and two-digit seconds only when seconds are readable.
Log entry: 8.47
